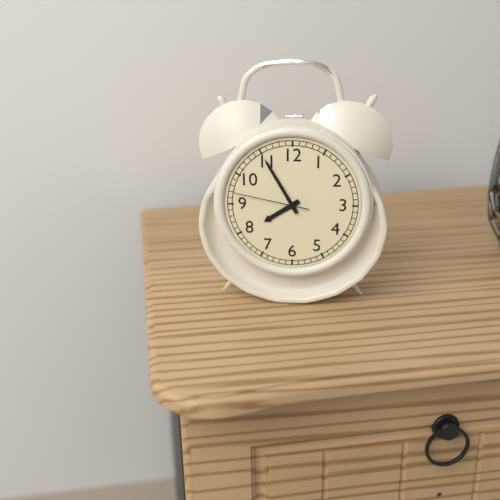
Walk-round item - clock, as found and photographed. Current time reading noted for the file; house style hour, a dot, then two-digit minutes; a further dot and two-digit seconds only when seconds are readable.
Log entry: 7.55.47
